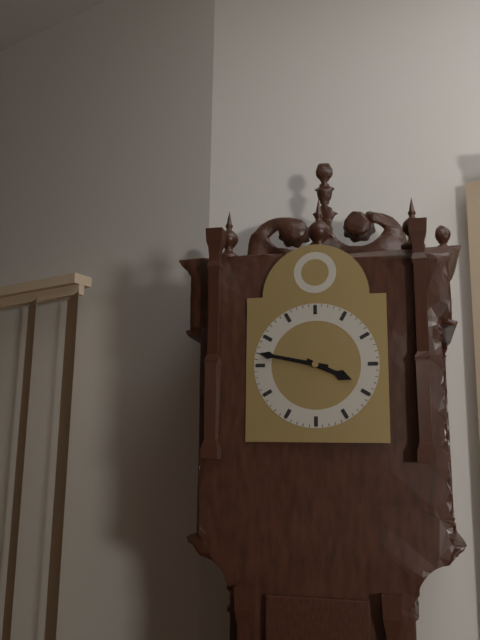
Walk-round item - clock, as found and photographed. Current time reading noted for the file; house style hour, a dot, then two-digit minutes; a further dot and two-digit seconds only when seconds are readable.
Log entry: 3.47
